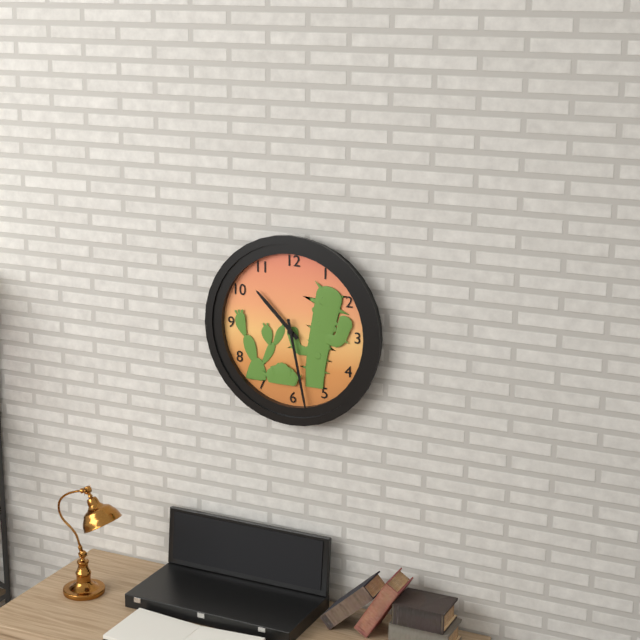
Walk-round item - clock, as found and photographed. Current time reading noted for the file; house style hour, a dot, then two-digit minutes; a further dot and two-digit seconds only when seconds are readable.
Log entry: 10.28
